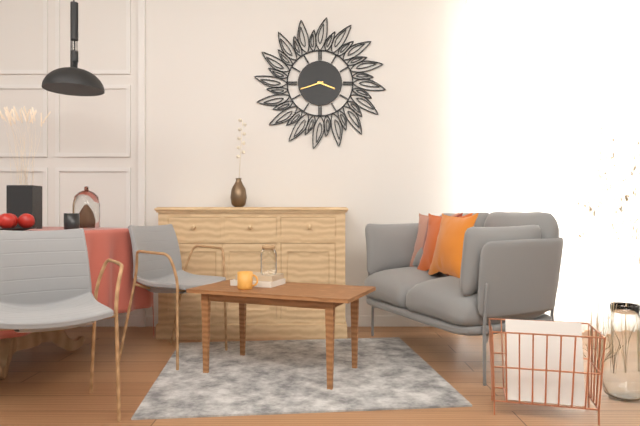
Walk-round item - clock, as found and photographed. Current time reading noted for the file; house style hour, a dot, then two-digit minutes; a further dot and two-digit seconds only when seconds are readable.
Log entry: 3.42
